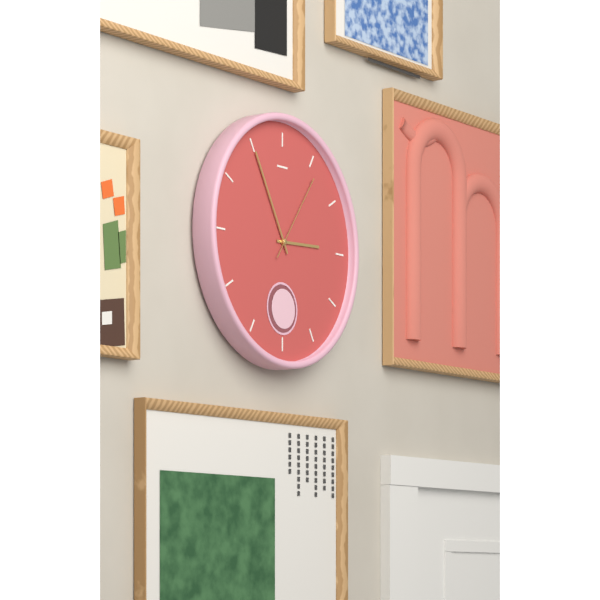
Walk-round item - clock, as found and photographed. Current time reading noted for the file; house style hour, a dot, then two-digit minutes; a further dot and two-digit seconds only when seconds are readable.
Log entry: 2.55.06
